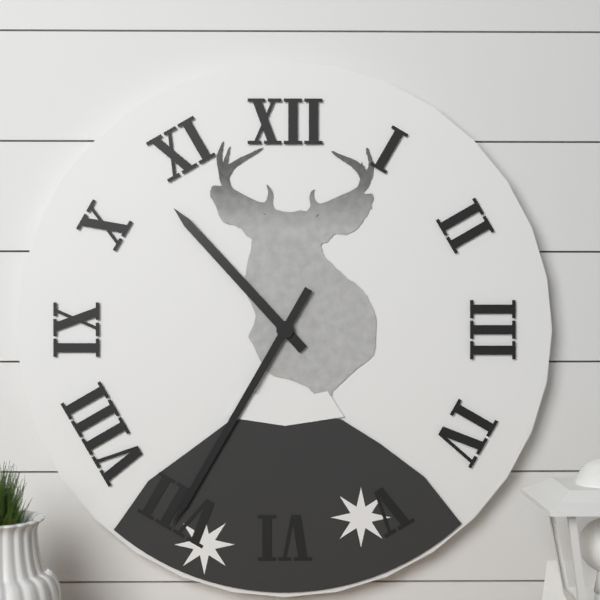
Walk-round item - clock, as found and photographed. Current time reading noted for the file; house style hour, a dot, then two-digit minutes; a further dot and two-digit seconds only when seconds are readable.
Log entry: 10.35
